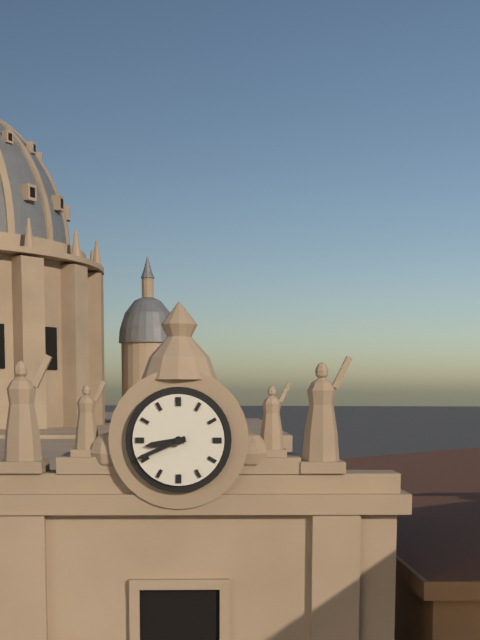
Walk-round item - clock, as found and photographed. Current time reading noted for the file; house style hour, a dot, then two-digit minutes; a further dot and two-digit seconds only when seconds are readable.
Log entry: 8.41
